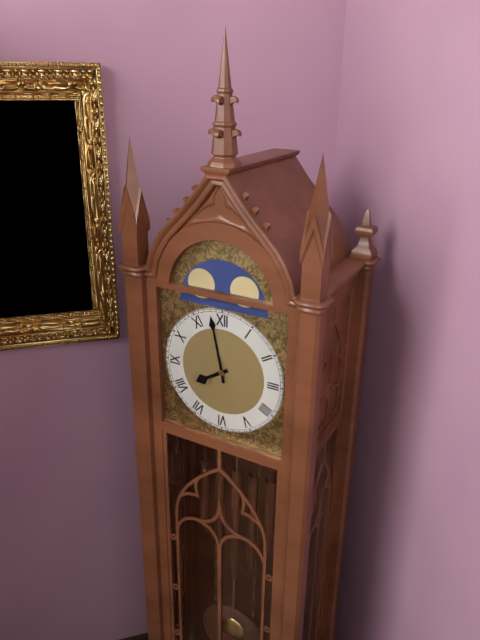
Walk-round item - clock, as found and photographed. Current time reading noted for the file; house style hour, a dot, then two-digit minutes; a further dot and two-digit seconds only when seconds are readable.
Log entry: 7.58
